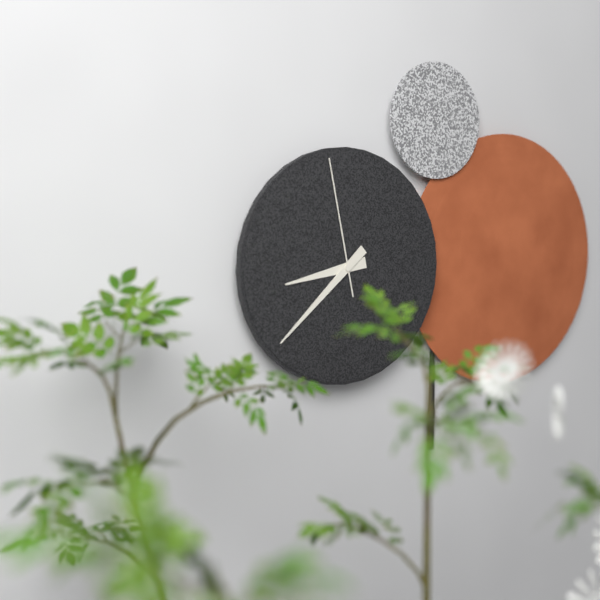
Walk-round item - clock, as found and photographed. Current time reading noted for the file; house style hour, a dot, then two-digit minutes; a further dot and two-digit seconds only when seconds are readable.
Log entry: 8.38.58
